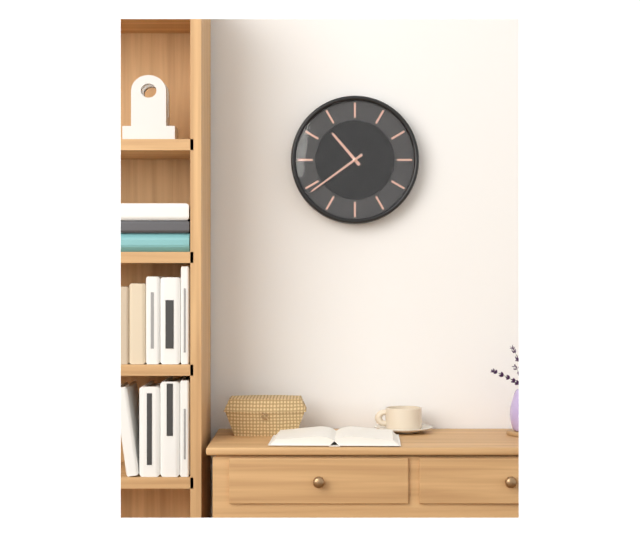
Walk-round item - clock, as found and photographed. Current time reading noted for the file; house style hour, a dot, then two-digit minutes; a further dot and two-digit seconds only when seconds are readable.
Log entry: 10.39
